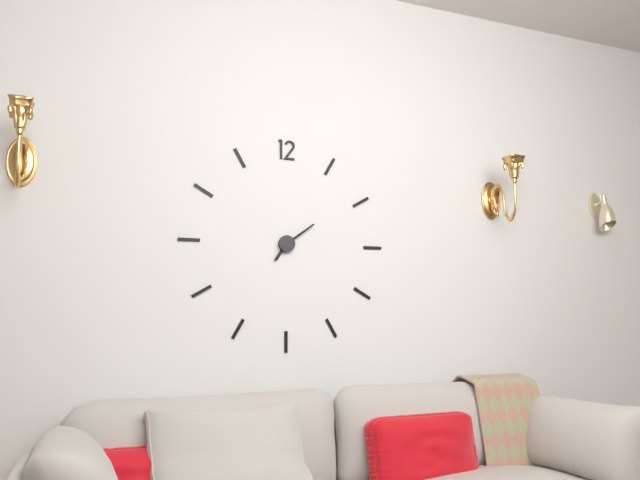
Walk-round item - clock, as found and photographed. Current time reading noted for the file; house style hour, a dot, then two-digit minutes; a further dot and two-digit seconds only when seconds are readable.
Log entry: 7.09
